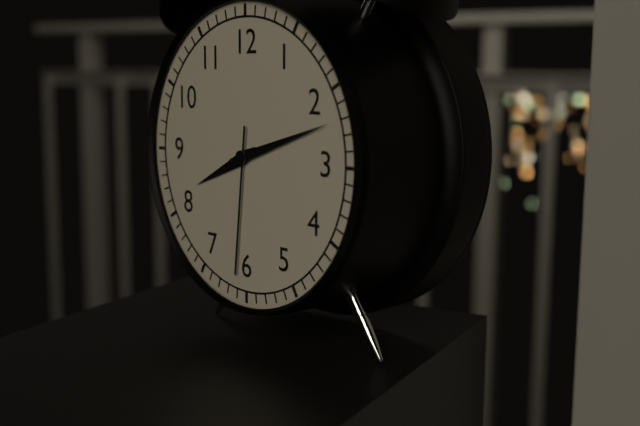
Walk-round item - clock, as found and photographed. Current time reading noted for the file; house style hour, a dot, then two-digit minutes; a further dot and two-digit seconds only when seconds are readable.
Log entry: 8.12.31
